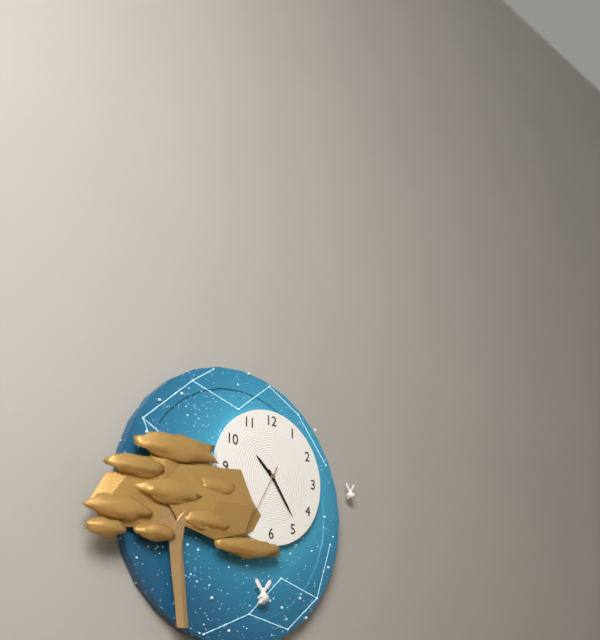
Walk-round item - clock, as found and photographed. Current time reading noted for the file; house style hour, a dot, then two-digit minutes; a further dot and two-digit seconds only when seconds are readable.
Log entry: 10.24.35
